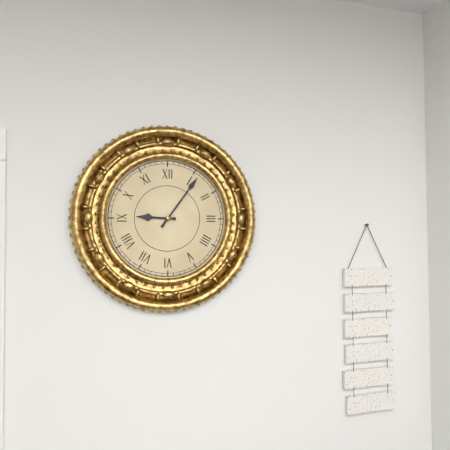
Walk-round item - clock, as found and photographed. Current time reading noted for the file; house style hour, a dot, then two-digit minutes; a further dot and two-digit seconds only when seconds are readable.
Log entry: 9.06
